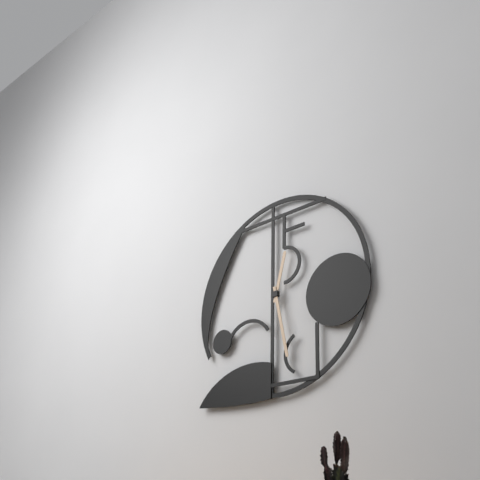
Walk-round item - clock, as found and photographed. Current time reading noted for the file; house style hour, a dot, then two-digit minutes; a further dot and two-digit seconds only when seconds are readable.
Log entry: 12.28
